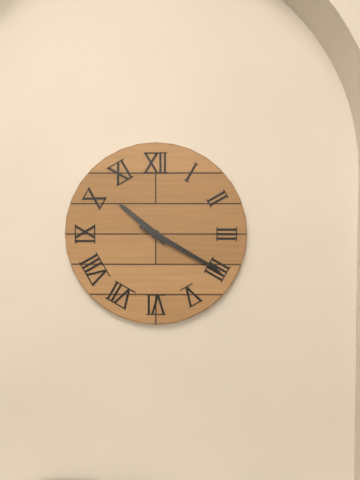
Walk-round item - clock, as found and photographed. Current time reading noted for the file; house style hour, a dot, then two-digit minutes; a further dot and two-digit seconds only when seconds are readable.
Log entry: 10.20
